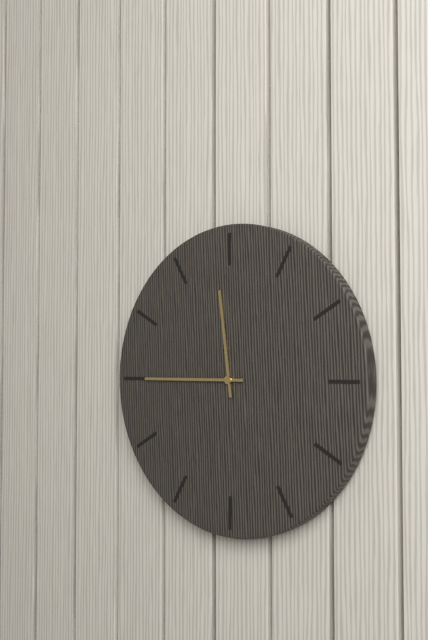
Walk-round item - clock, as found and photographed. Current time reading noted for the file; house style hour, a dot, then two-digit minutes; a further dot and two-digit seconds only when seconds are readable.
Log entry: 11.45
